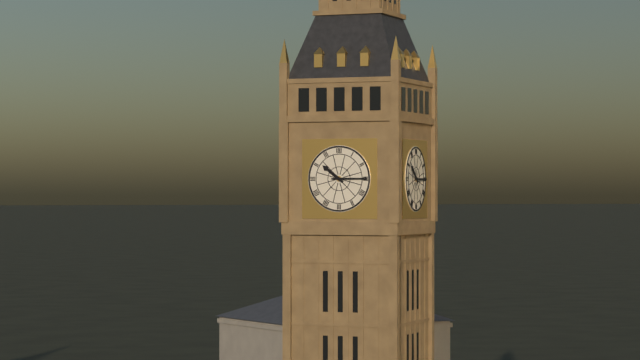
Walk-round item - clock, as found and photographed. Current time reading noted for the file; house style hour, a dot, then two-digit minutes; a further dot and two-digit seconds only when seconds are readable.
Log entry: 10.15
